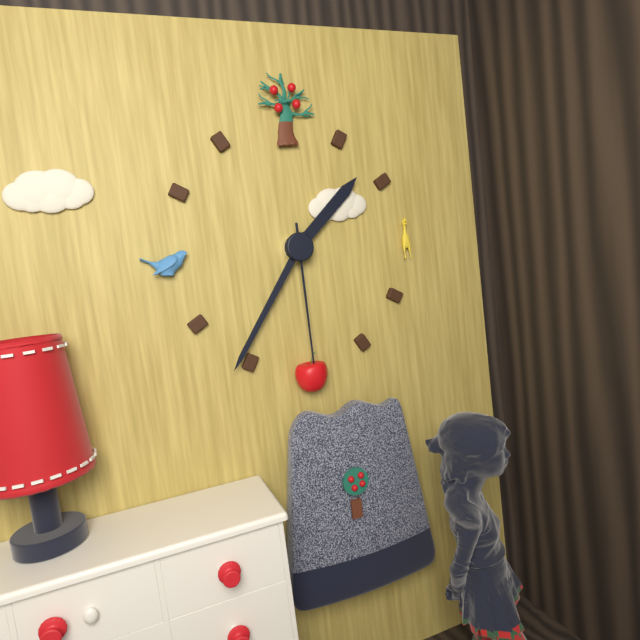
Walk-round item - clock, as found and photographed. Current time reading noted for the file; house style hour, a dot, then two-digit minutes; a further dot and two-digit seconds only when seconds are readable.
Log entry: 1.36.30
